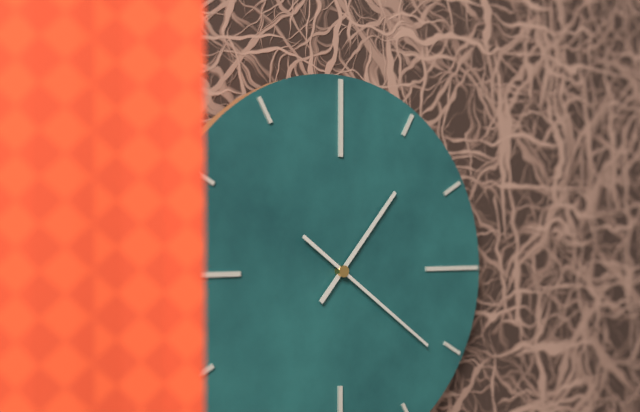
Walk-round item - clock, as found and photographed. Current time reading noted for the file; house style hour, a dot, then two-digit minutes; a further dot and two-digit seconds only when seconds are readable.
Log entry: 1.21
